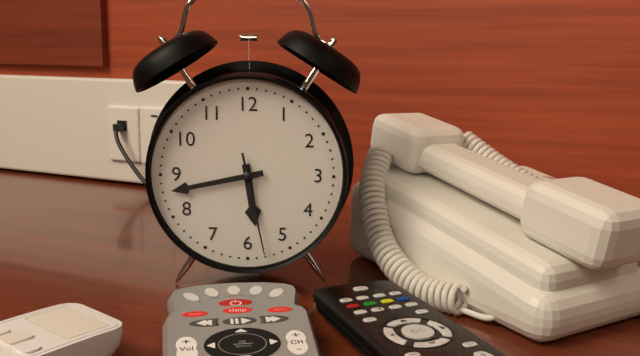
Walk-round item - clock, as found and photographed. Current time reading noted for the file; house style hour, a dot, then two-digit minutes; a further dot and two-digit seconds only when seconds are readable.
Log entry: 5.43.28
